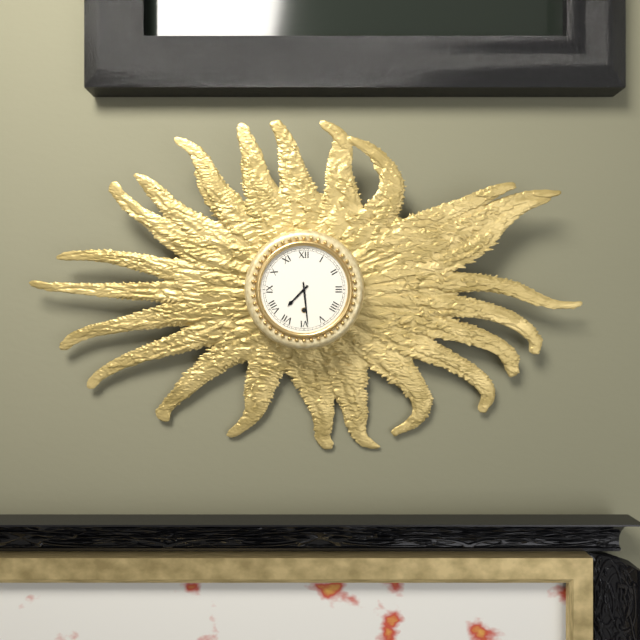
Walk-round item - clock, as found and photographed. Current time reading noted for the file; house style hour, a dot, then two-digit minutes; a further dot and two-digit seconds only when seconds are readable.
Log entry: 7.29
